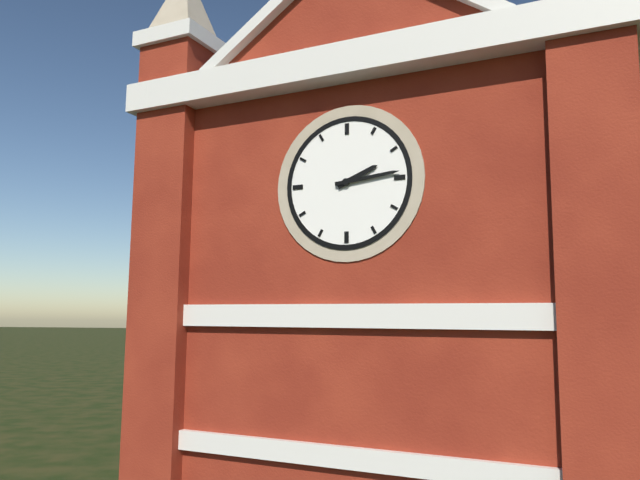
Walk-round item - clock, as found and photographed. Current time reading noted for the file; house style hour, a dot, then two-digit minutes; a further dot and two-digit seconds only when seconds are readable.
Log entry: 2.14
